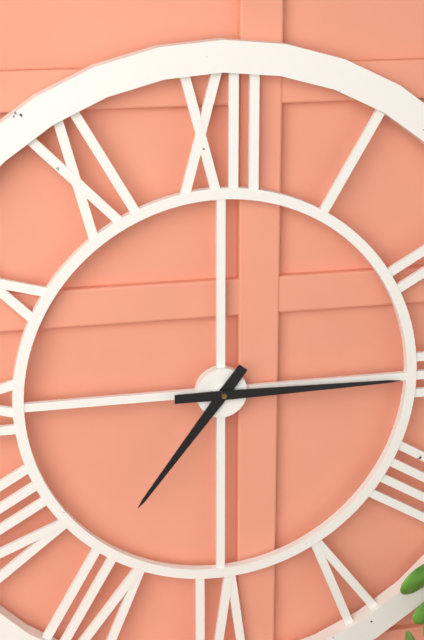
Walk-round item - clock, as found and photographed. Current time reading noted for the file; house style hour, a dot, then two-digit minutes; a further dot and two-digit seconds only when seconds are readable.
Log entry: 7.15
